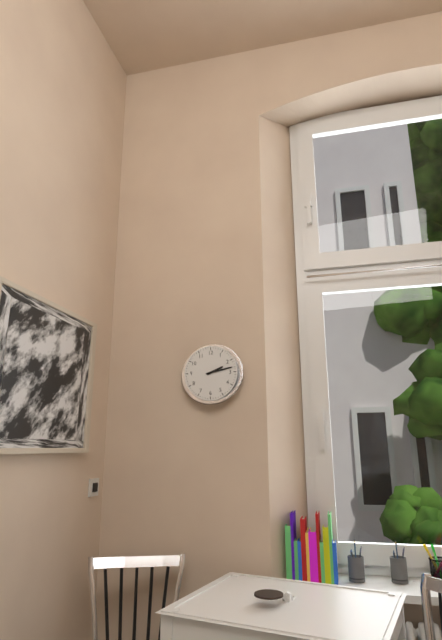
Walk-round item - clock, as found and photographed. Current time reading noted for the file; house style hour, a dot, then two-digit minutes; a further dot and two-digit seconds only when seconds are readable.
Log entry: 2.13
